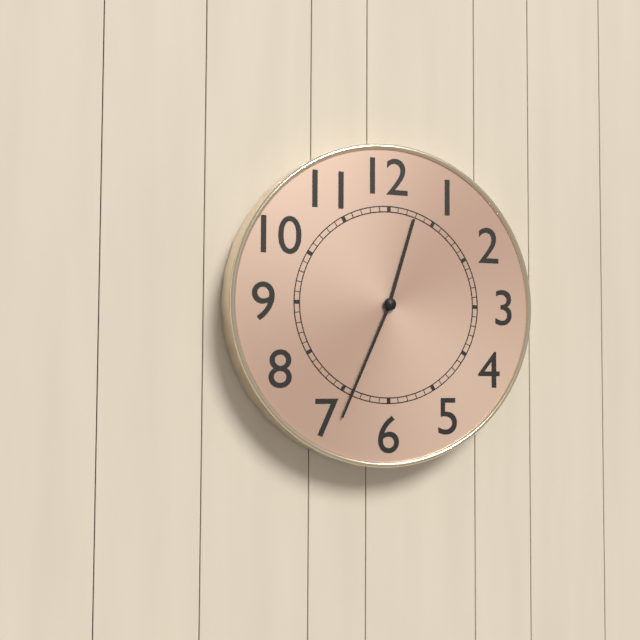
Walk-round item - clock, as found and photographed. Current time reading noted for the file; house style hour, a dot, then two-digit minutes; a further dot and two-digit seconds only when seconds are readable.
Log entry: 12.34
